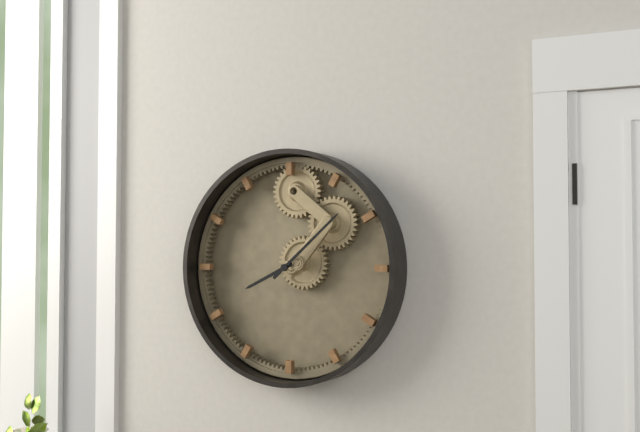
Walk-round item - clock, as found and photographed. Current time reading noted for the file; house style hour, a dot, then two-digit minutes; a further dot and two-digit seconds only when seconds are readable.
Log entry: 8.08
